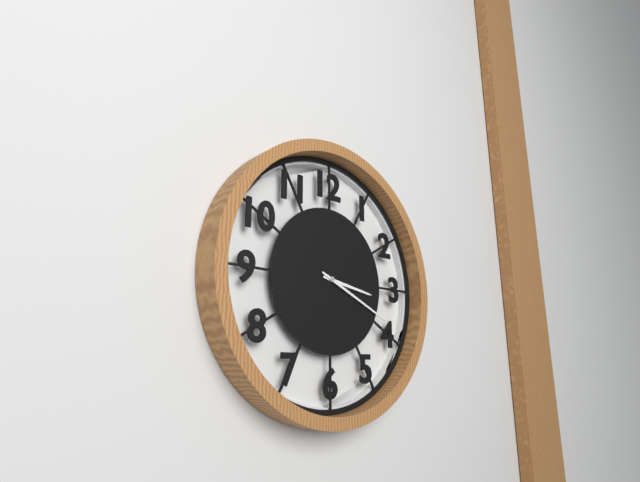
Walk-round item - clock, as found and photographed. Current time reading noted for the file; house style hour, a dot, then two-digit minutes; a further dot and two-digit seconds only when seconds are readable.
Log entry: 3.19
